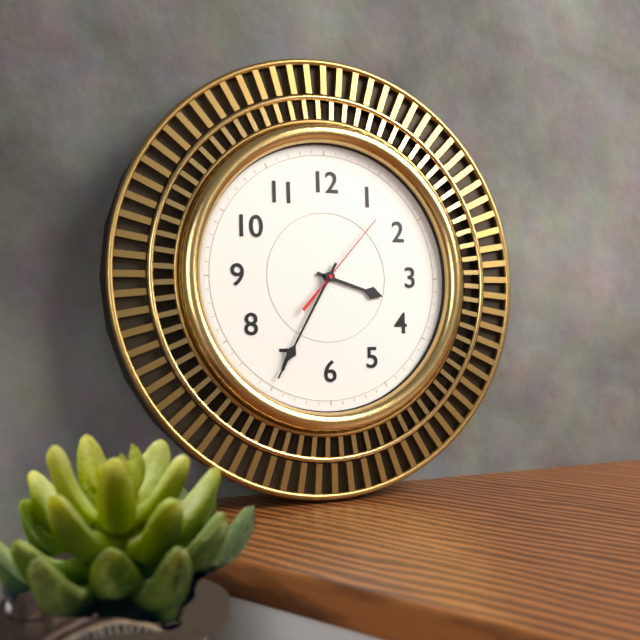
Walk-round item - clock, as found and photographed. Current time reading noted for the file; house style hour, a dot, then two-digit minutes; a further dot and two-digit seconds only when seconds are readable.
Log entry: 3.35.07
